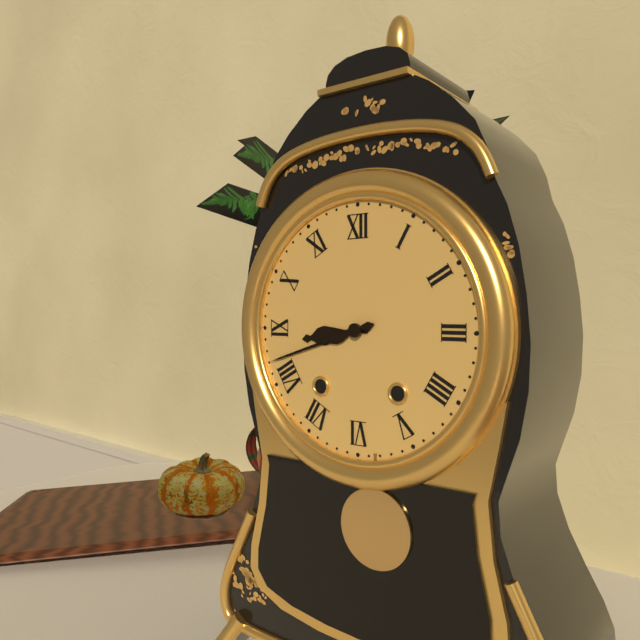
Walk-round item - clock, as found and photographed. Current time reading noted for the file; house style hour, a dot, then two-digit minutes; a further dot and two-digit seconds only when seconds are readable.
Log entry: 8.42
